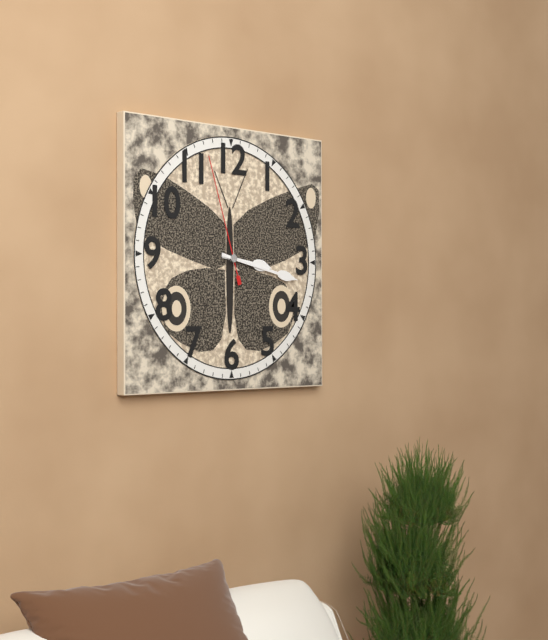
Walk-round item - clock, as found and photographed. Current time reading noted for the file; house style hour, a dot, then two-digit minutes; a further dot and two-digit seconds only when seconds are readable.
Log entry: 3.17.57
